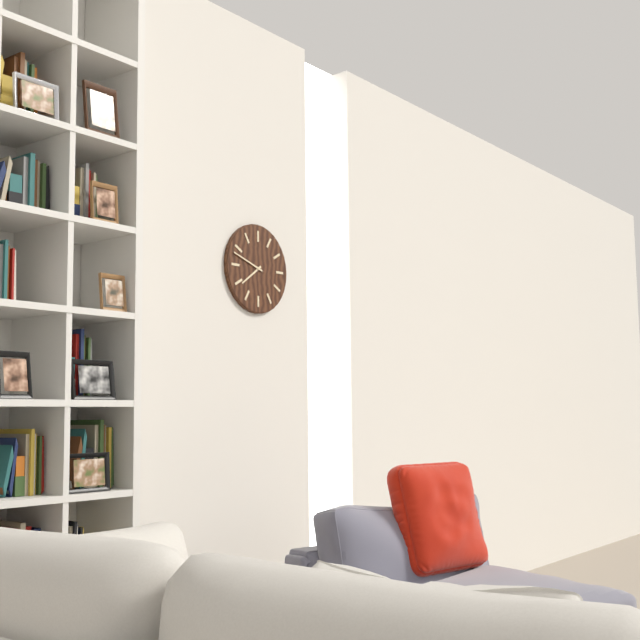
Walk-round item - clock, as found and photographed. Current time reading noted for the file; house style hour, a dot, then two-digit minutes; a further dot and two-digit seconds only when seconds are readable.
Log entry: 7.48
